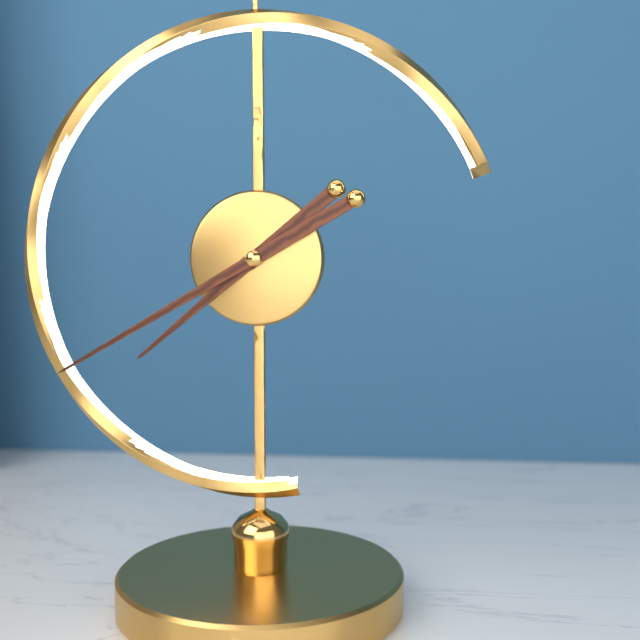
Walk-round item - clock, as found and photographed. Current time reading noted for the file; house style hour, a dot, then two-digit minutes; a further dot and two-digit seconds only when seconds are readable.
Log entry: 7.40
